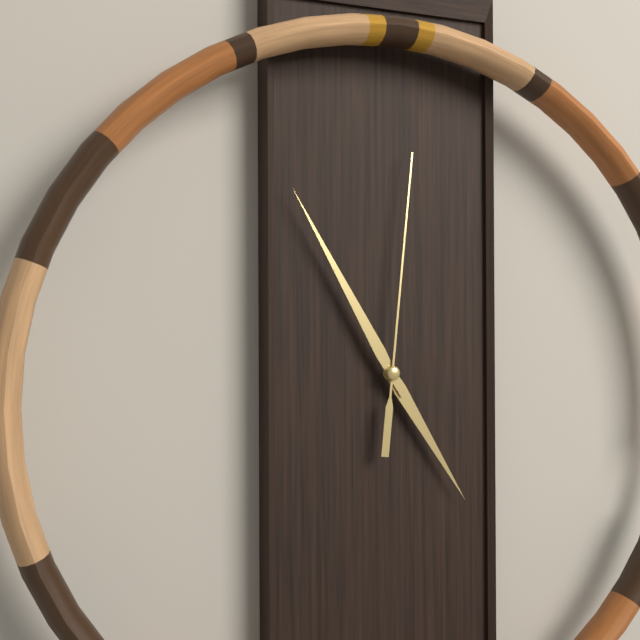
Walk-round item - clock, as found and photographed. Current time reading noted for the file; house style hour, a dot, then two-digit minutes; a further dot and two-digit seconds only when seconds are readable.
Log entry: 4.55.01
